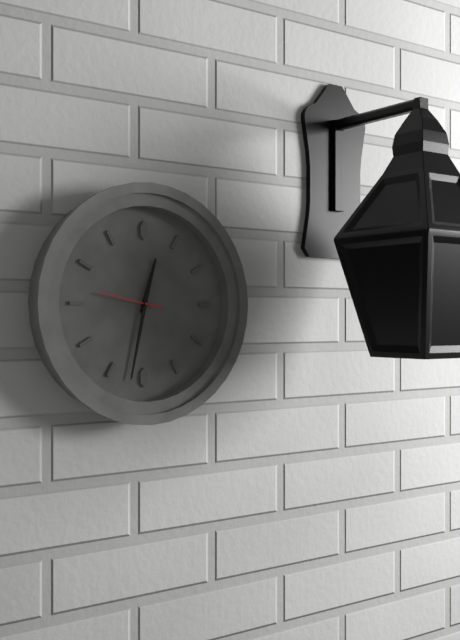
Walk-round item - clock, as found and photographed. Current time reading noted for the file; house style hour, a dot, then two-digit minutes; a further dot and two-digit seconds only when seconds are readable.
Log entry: 12.32.47
